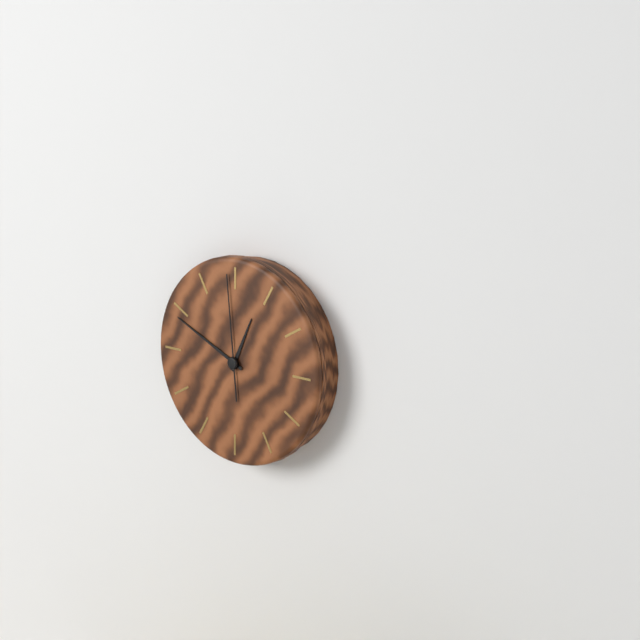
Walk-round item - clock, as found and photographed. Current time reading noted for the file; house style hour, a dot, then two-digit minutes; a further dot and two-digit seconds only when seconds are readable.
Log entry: 12.49.59
